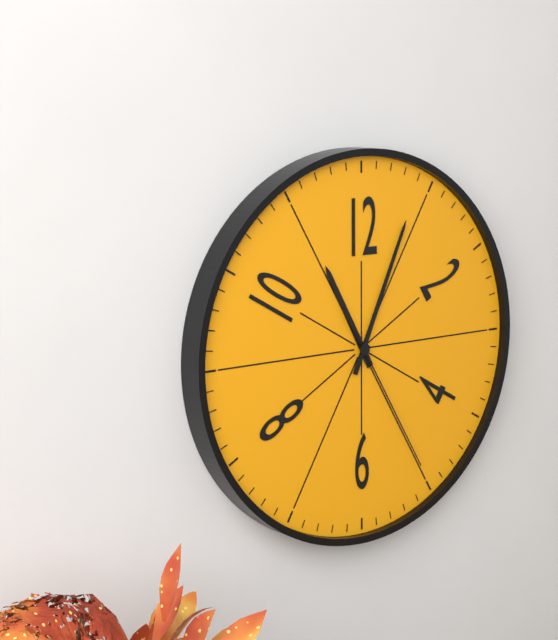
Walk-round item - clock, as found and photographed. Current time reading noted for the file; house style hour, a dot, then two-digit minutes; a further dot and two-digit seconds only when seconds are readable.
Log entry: 11.04.25
